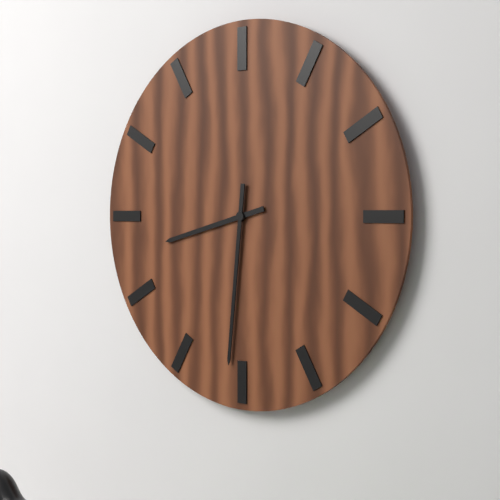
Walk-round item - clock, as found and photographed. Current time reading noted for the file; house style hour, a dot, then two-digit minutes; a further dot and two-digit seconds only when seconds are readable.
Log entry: 8.31
